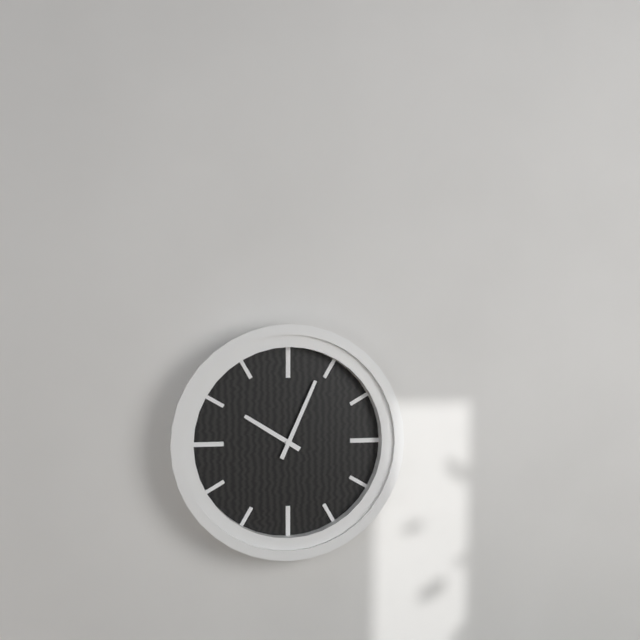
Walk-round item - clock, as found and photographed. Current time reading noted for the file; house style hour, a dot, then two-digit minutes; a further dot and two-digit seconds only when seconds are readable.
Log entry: 10.04
